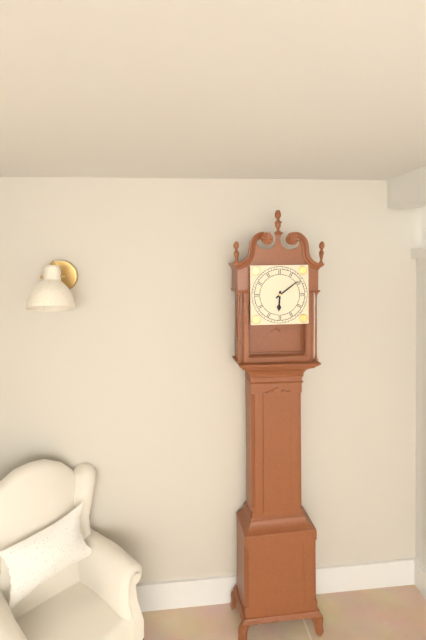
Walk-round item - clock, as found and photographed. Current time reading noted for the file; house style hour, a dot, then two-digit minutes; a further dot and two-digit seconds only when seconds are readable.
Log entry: 6.09
